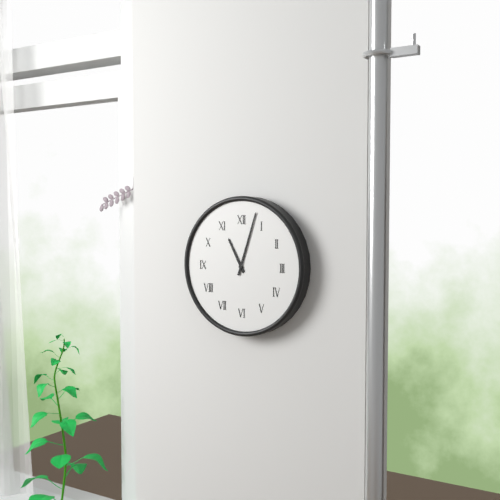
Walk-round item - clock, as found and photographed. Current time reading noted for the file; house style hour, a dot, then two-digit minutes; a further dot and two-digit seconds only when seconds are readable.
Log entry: 11.03
